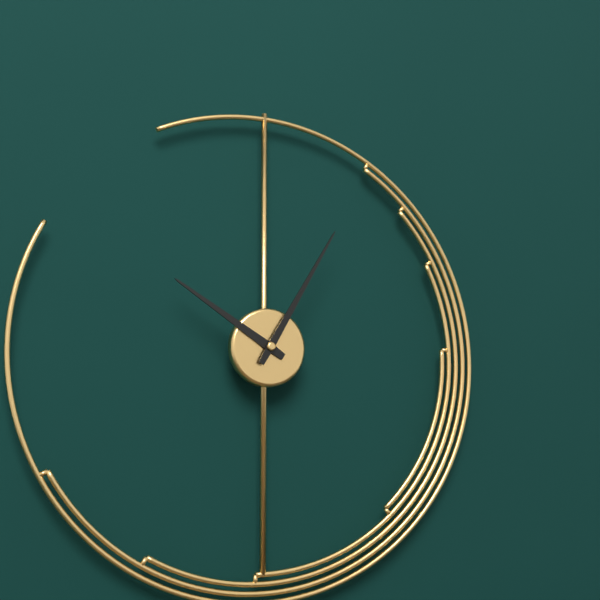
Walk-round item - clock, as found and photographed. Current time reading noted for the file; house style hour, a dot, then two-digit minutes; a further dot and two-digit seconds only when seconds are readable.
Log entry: 10.05
